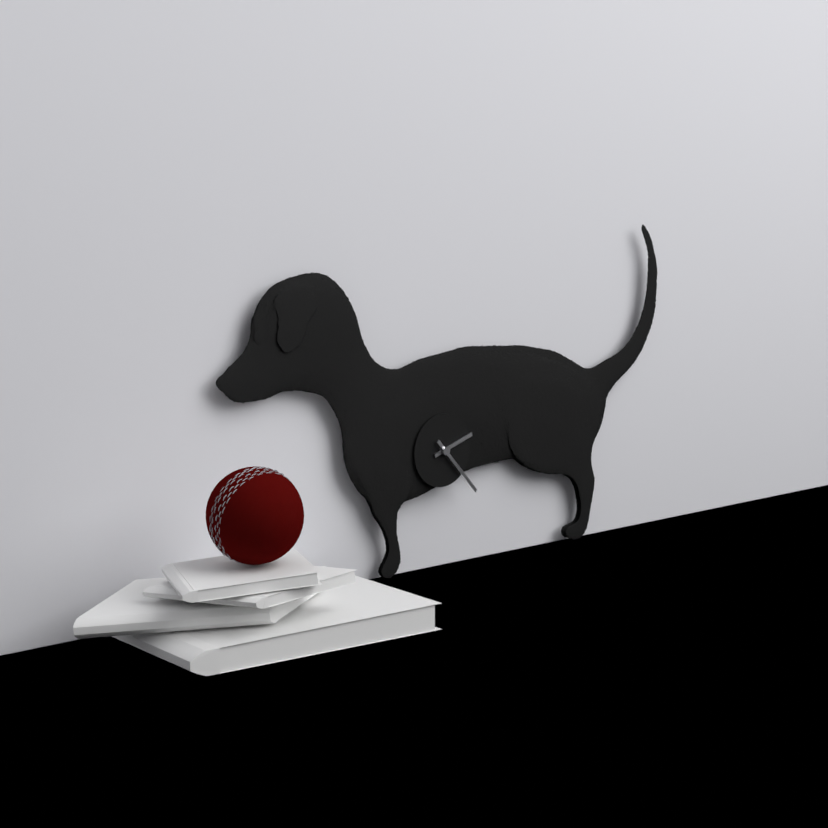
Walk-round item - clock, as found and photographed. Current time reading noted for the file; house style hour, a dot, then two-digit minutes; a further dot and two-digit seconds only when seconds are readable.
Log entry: 2.23
